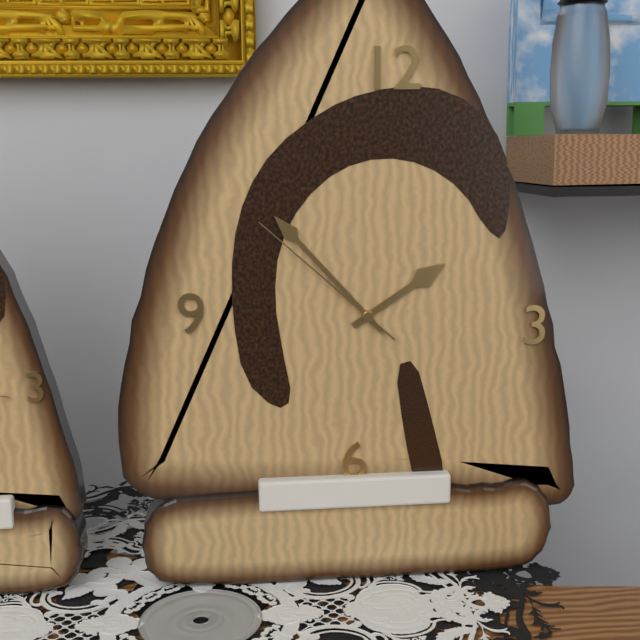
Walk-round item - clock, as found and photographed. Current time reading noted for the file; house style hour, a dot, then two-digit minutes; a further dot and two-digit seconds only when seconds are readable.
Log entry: 1.53.52
